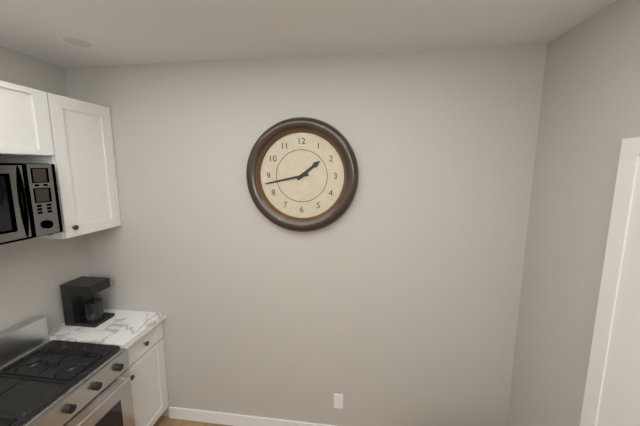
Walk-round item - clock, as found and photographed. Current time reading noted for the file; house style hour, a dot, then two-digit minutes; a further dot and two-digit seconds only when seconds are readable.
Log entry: 1.43
